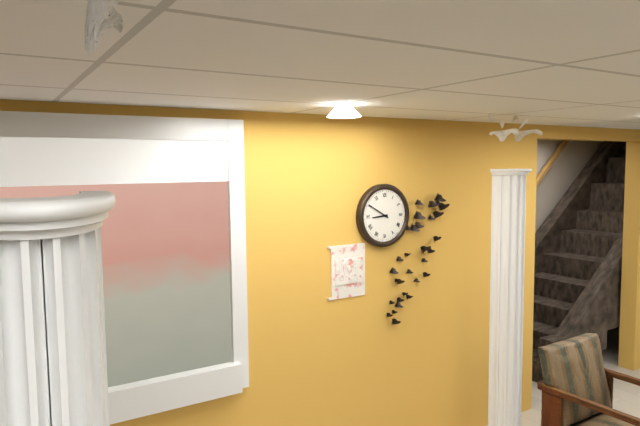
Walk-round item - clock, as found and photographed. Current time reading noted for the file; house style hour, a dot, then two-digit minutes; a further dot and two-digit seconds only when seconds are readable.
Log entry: 8.50
